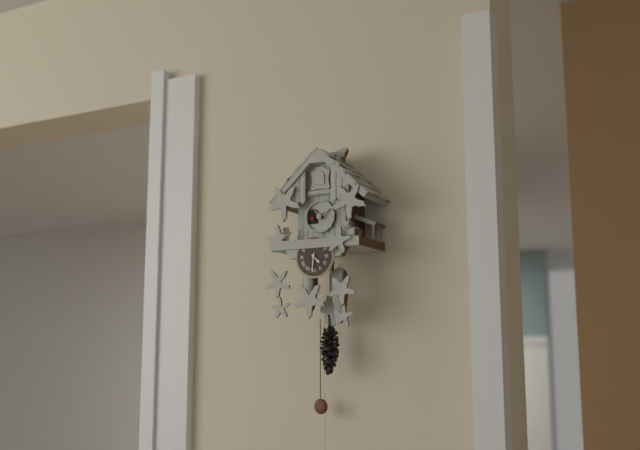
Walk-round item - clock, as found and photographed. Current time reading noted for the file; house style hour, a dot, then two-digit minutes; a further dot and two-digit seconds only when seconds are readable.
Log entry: 4.31
